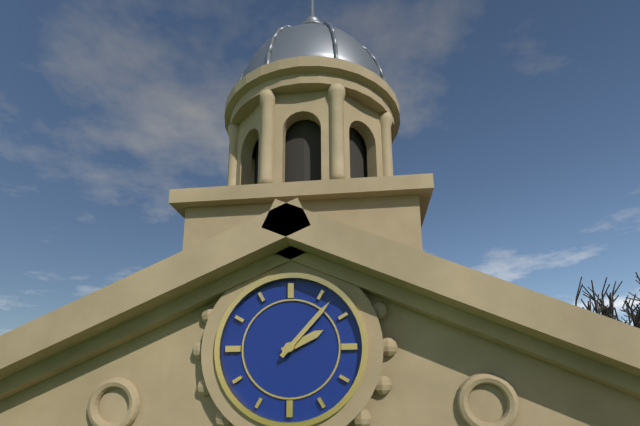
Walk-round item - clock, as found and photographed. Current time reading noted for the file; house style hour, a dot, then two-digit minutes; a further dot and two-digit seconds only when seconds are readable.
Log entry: 2.07
